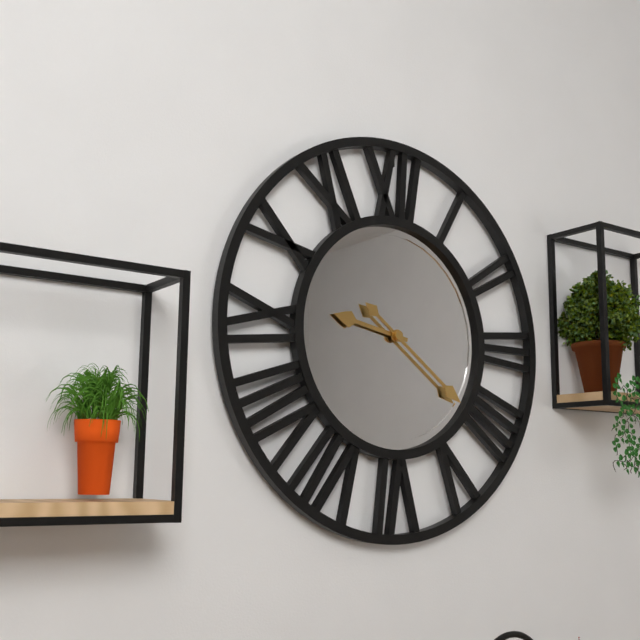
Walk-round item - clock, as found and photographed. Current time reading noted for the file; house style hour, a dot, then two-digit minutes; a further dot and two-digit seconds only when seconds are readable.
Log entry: 9.21
